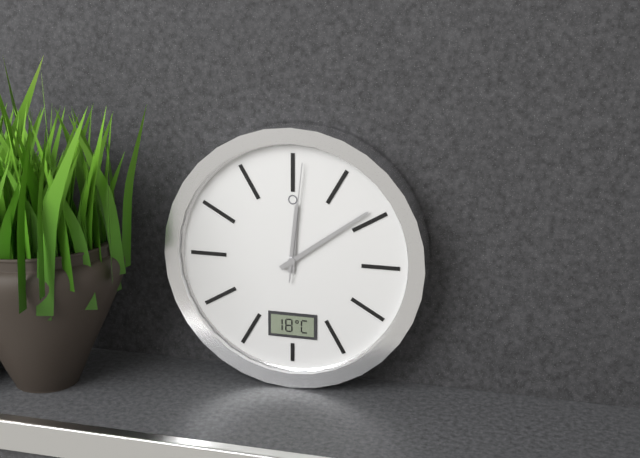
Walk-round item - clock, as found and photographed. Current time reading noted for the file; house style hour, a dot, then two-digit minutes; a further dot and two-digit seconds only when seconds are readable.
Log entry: 12.09.01
